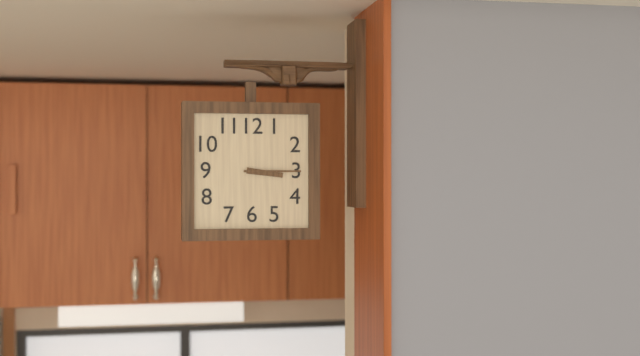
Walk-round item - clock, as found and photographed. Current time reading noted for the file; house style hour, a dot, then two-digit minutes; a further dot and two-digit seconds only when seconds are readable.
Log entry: 3.15
